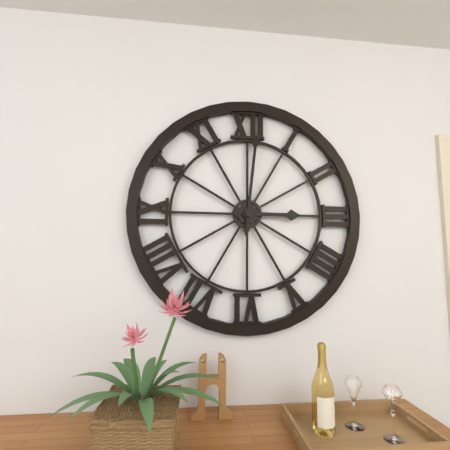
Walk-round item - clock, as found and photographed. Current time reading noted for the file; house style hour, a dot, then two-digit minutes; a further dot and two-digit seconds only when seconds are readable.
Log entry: 3.01
